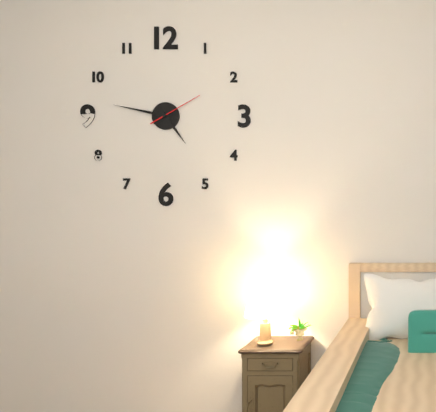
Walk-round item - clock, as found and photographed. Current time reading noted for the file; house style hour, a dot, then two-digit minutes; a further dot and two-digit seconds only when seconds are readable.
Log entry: 4.47
